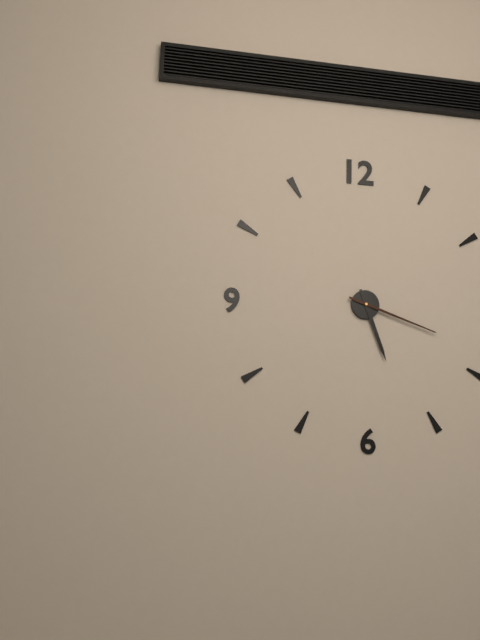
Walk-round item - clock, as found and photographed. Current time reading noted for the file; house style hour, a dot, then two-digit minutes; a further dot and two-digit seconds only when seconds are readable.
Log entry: 5.18
